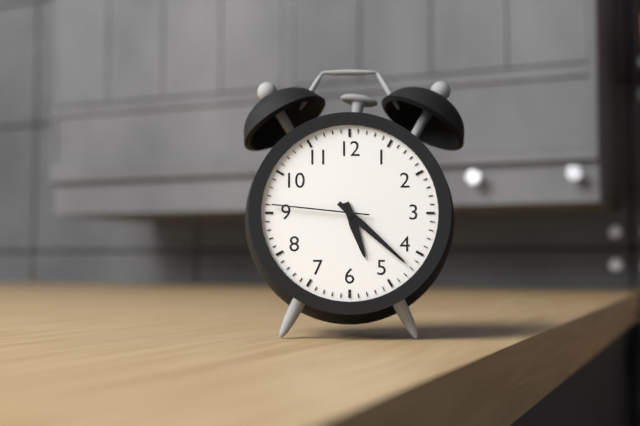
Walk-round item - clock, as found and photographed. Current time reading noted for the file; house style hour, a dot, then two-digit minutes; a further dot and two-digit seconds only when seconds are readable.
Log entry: 5.22.46
